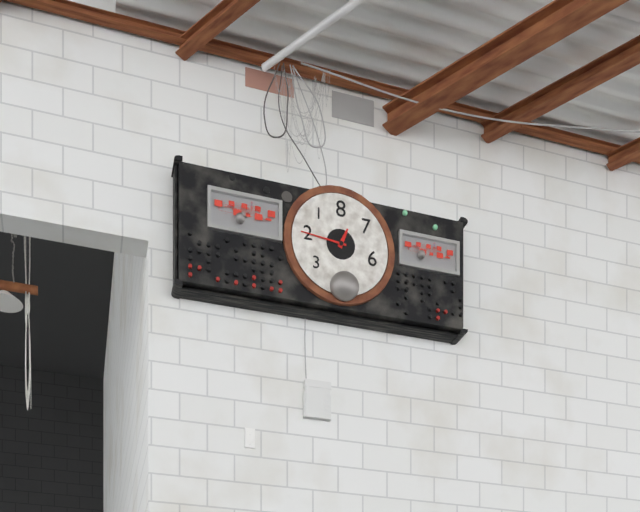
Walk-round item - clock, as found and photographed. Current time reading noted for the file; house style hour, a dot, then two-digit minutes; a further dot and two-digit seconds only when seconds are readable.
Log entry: 12.46
